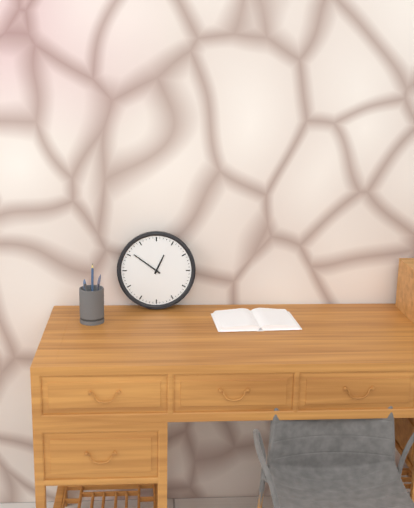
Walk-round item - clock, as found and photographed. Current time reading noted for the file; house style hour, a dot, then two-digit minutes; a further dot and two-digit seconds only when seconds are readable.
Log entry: 12.51
